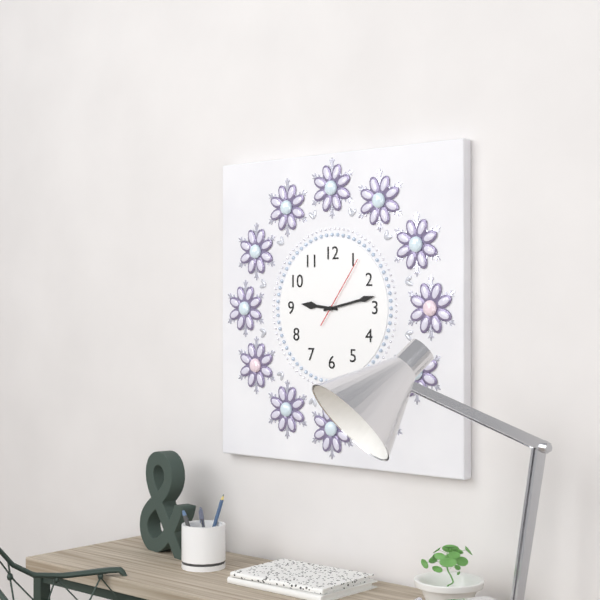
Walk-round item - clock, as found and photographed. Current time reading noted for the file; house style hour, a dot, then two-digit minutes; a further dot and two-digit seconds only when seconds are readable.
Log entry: 9.13.06
